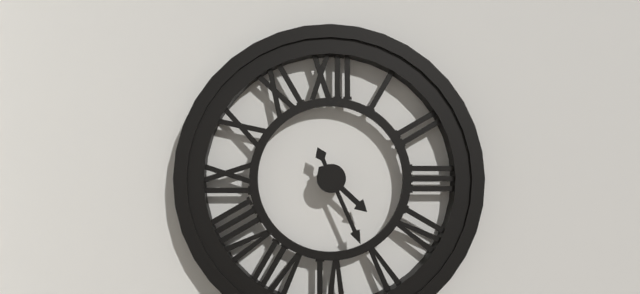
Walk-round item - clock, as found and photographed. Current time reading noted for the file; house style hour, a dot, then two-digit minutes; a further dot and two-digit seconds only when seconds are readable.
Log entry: 4.26
